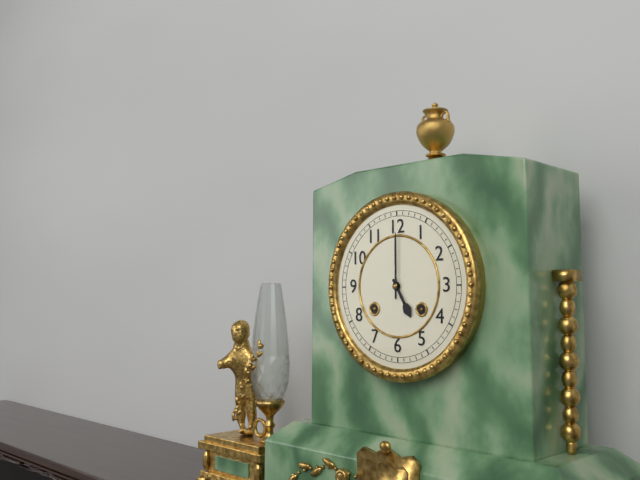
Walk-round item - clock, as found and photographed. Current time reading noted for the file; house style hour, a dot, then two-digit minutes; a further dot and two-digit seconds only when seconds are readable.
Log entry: 5.00
